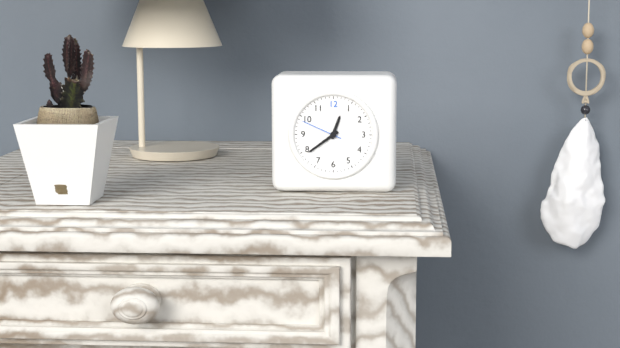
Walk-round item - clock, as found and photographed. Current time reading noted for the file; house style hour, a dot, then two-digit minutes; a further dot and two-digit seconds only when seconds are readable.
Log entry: 12.39
